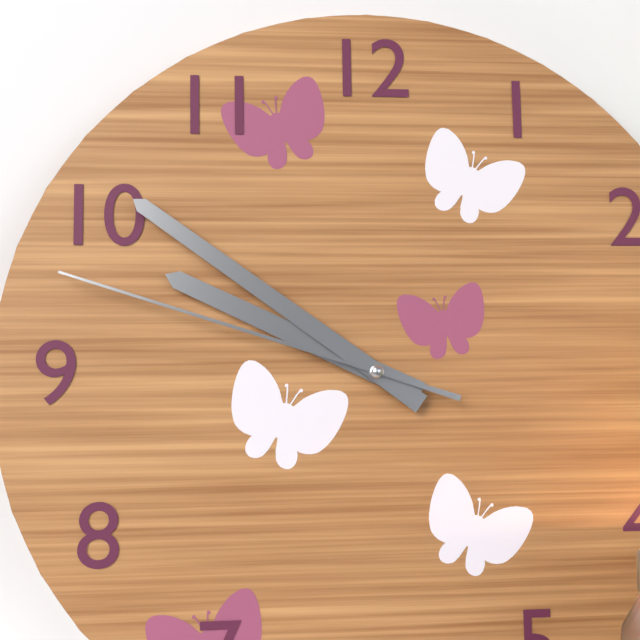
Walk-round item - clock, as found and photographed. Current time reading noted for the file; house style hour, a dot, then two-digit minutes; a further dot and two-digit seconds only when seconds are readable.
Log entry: 9.51.48
